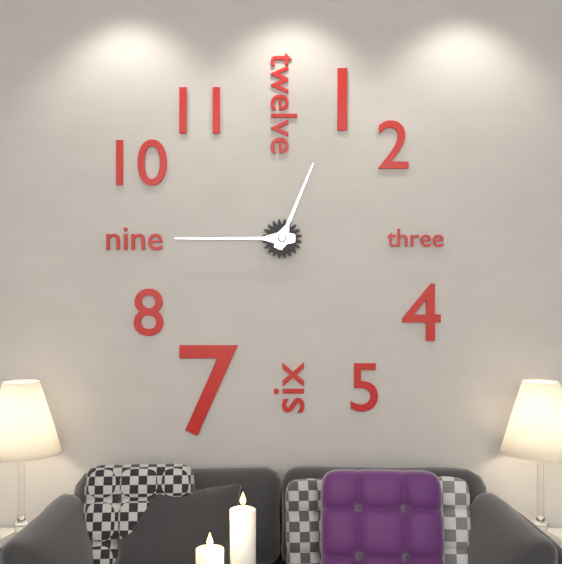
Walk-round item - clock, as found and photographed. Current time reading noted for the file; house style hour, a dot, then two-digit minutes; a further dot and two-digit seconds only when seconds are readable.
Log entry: 12.45
